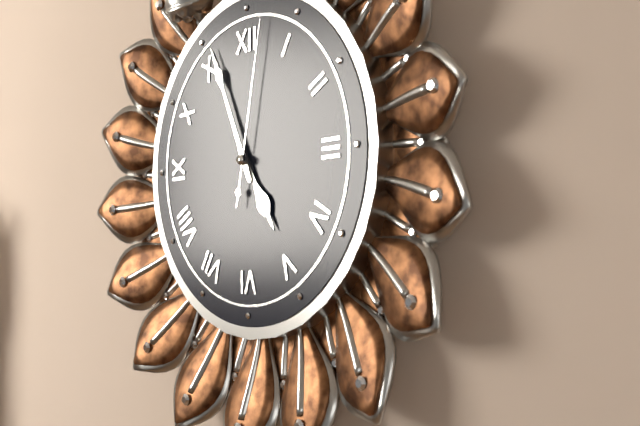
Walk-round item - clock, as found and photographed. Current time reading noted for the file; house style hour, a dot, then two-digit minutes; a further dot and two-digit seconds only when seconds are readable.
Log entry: 4.56.02
